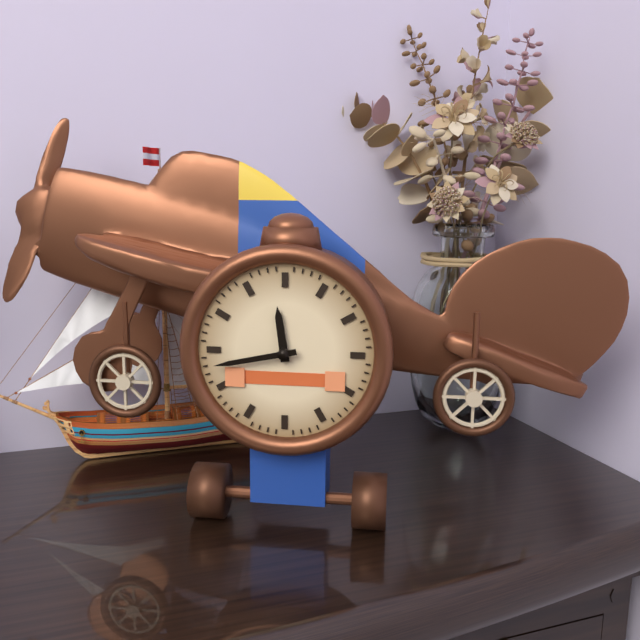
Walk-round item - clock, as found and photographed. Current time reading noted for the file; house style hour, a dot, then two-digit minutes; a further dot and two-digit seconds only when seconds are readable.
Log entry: 11.43
